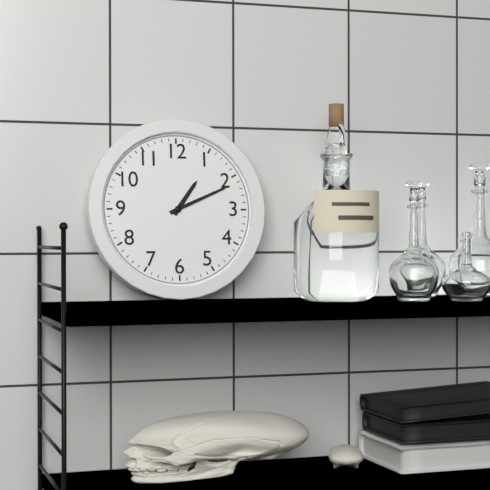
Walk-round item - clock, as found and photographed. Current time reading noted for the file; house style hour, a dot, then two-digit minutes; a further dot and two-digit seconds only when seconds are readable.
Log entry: 1.11
